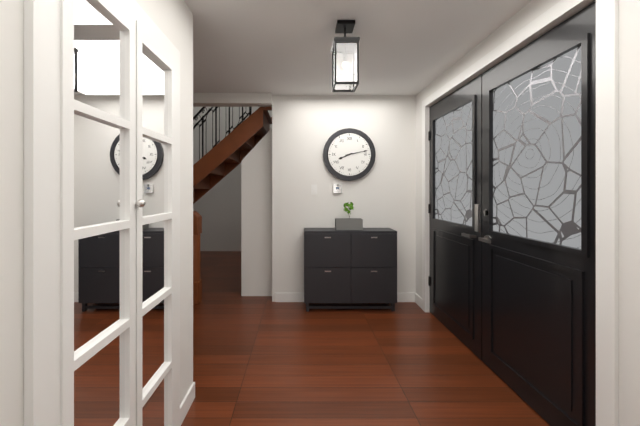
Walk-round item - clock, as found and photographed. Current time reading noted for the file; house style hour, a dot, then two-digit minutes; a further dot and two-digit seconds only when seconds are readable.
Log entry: 8.13
